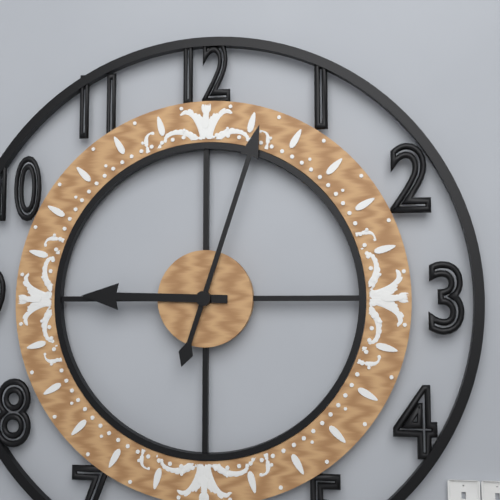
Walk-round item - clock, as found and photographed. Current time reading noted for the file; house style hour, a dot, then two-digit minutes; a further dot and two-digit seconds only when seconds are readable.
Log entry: 9.03
